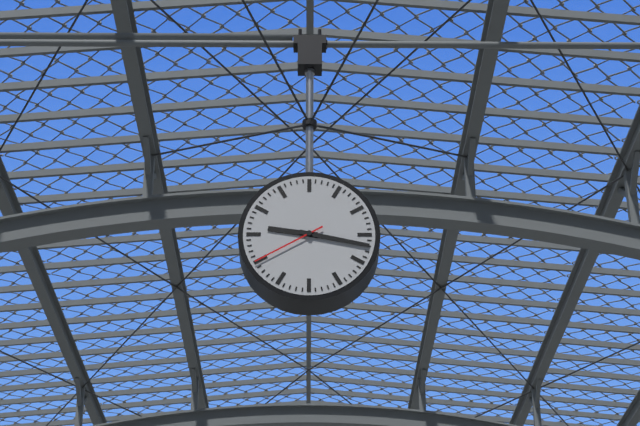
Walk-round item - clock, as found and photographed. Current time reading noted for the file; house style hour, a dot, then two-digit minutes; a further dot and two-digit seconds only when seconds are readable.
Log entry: 9.17.40
